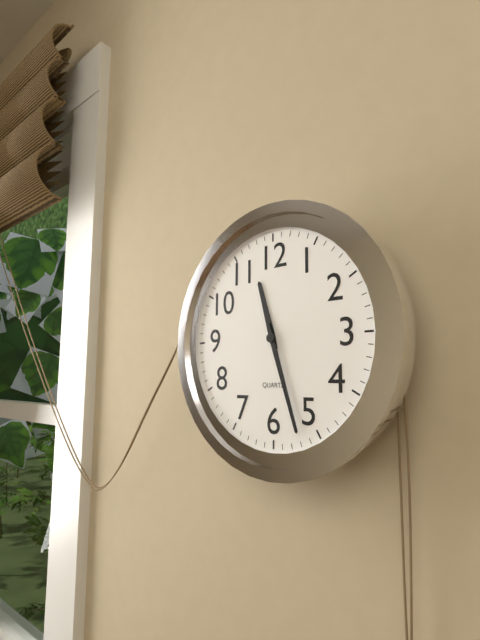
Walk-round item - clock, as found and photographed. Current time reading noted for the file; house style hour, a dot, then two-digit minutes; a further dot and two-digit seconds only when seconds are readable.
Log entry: 11.27
